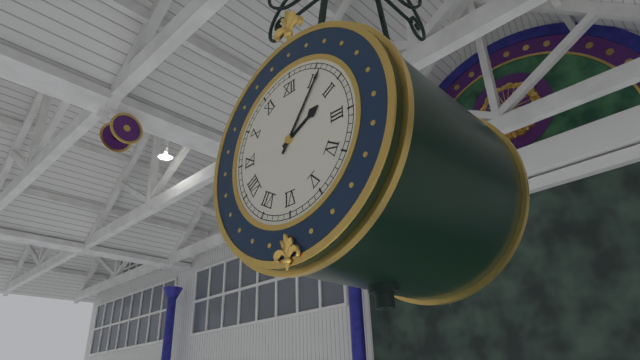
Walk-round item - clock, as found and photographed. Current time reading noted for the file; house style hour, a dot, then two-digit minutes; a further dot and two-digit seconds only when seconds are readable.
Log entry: 2.06
